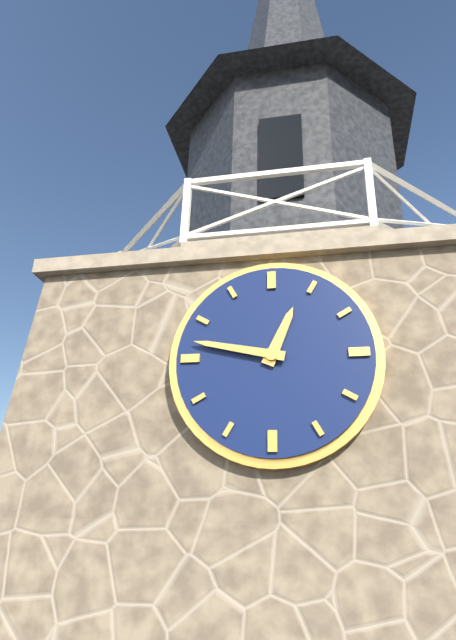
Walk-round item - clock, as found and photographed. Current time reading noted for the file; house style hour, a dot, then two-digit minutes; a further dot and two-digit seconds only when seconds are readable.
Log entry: 12.47
